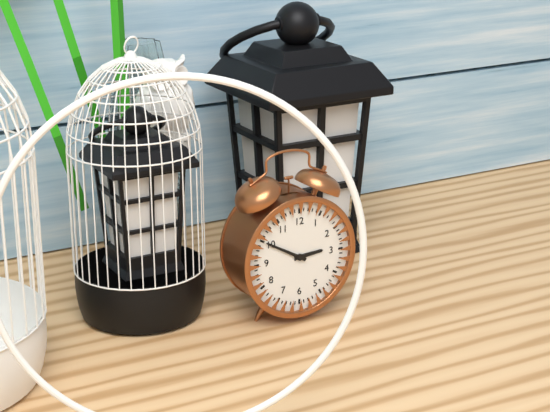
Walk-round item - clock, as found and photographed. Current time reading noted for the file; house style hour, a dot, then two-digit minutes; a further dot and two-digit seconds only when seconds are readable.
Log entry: 2.50
